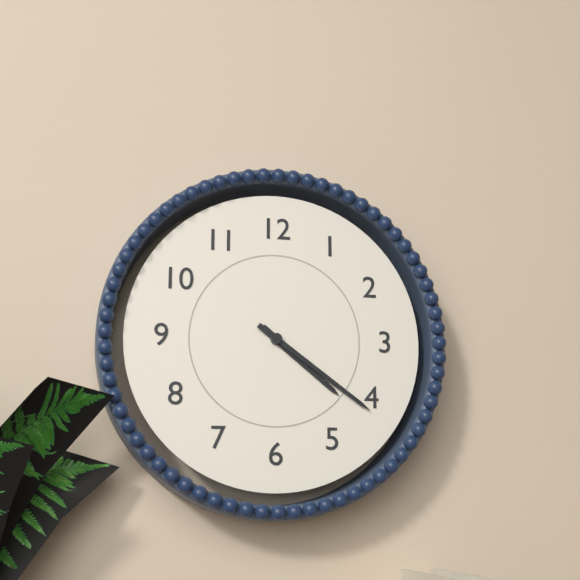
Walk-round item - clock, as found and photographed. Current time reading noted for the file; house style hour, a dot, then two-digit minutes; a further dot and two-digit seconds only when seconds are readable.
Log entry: 4.21
